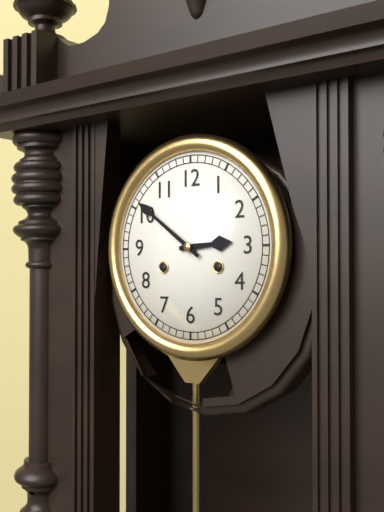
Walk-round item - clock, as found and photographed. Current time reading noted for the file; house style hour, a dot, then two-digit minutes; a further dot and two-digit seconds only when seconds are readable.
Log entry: 2.51
